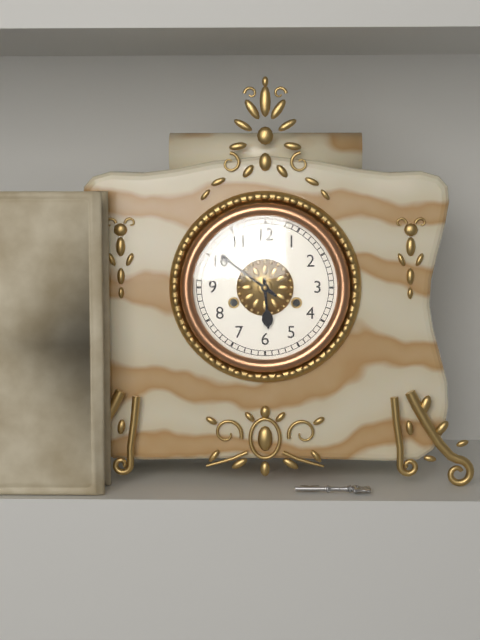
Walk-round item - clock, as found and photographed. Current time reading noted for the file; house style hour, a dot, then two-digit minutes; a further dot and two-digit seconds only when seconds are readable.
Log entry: 5.51
